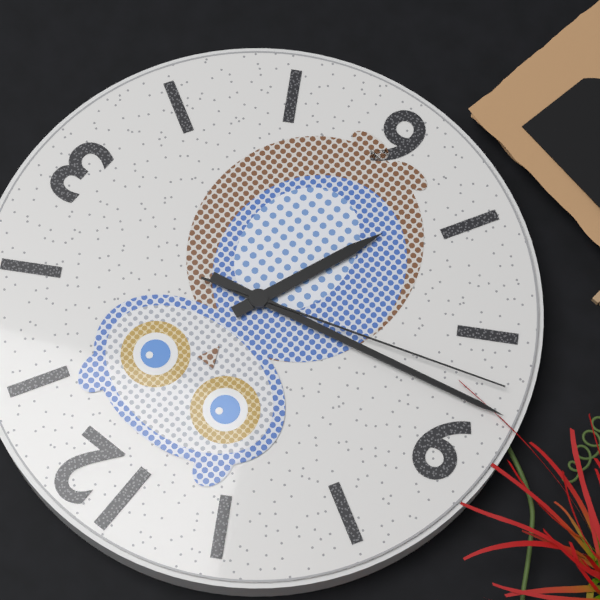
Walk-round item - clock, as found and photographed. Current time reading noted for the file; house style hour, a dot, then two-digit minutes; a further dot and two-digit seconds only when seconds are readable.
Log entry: 6.43.42
